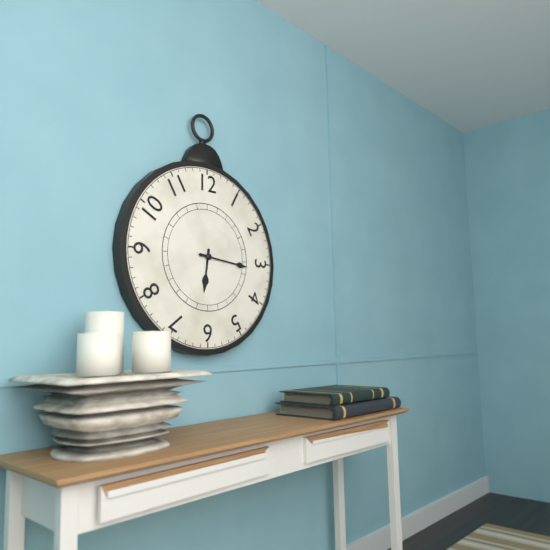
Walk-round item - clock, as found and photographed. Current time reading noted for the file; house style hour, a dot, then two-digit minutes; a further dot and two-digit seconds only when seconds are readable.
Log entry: 6.16
